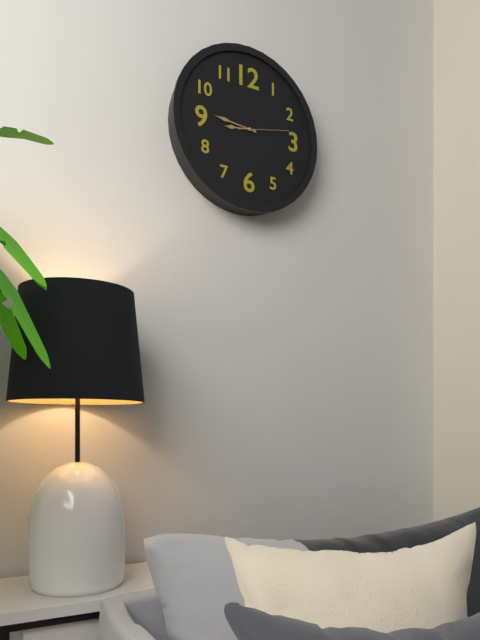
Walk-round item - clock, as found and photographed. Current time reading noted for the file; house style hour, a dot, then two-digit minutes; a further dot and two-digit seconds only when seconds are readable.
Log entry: 8.46
